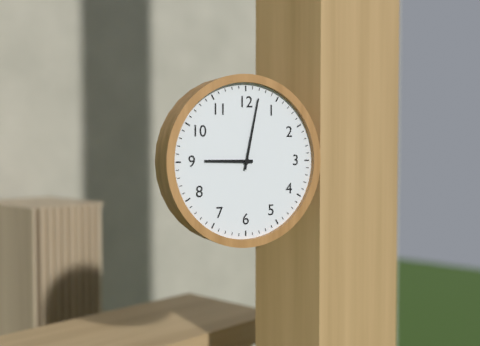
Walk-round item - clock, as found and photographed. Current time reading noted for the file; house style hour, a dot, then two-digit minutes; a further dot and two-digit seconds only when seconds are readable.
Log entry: 9.02
